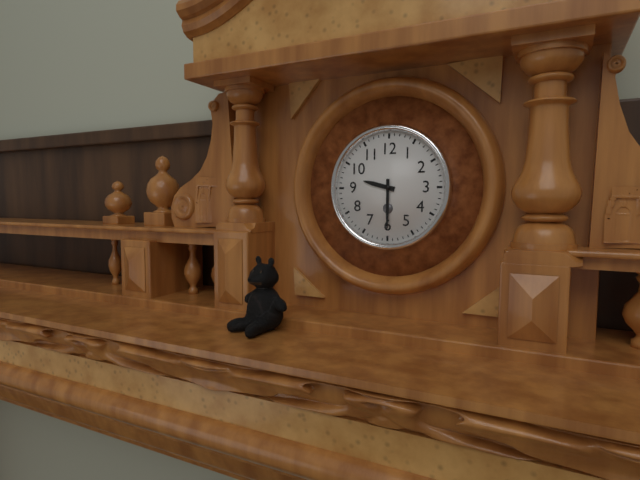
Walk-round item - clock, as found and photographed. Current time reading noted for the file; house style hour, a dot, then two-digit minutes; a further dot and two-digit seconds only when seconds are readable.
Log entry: 9.30
